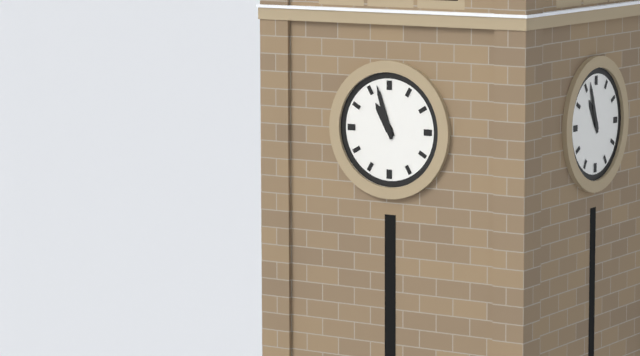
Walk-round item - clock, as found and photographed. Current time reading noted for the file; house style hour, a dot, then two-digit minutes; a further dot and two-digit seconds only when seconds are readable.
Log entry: 10.57
